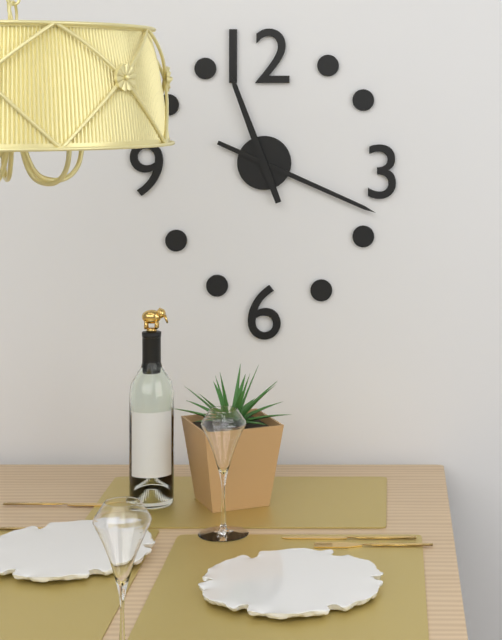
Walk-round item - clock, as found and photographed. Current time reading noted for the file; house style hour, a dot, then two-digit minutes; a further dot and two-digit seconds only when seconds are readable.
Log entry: 11.19
